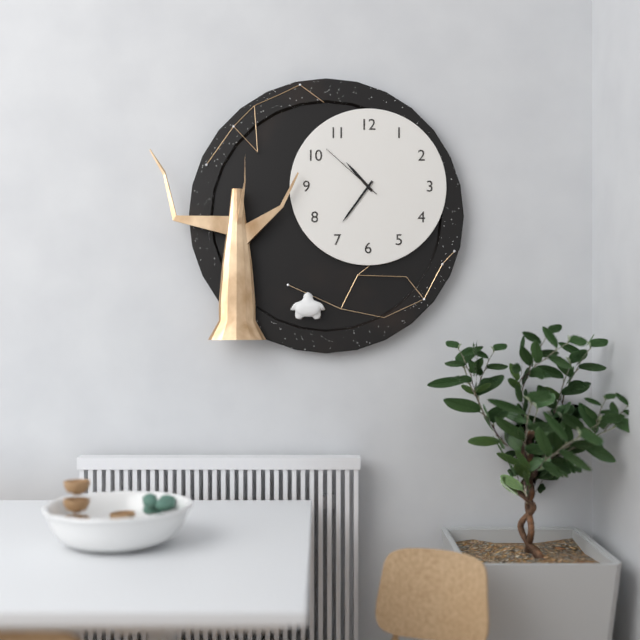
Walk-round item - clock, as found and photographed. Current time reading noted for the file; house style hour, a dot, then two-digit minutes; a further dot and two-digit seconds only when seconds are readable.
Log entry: 10.36.52
